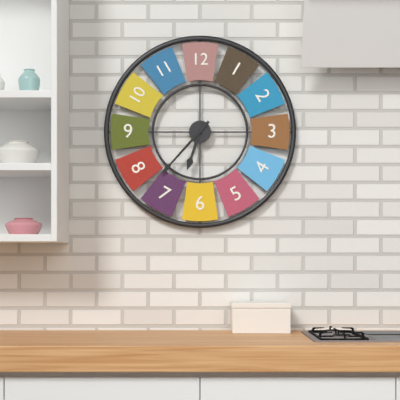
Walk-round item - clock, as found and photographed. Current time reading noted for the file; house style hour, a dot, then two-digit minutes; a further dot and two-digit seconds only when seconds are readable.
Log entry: 6.37
